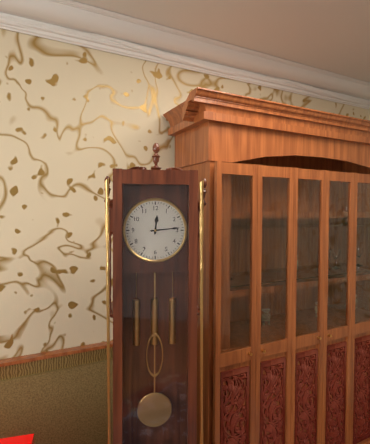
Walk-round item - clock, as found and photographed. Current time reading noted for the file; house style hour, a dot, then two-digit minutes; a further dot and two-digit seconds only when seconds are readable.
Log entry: 12.14
